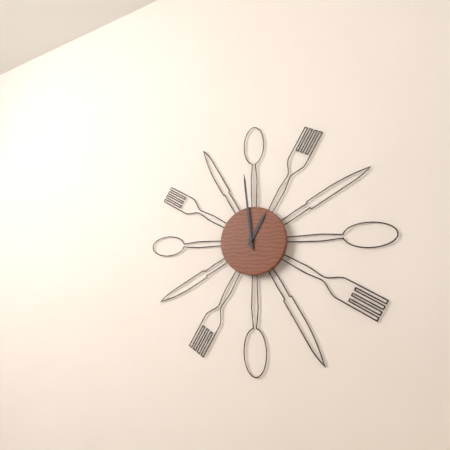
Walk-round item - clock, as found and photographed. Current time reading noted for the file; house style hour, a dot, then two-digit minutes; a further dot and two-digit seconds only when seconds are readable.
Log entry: 12.59
